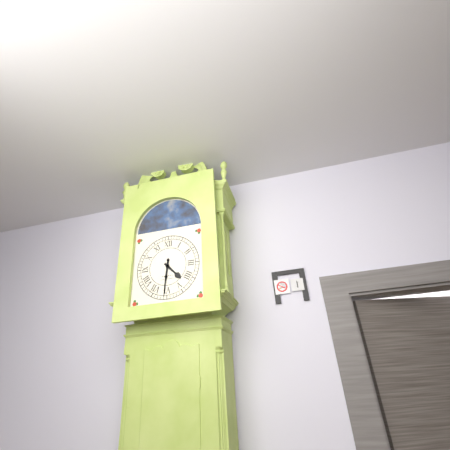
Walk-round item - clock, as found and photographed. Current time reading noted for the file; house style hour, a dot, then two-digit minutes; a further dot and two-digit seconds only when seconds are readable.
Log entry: 4.31
